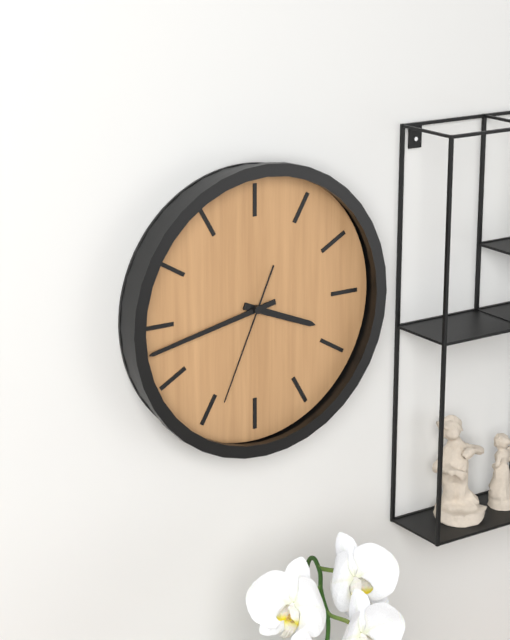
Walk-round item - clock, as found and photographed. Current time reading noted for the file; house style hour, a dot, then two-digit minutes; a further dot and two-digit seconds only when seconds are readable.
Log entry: 3.43.34
